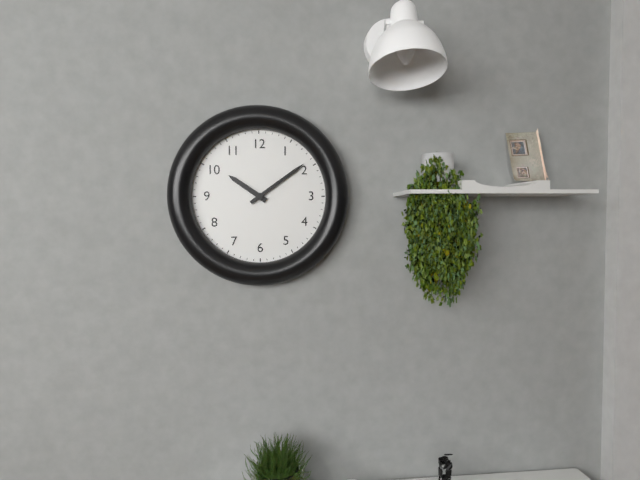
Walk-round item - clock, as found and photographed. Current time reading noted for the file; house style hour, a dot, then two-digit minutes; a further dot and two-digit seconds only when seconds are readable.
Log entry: 10.09
